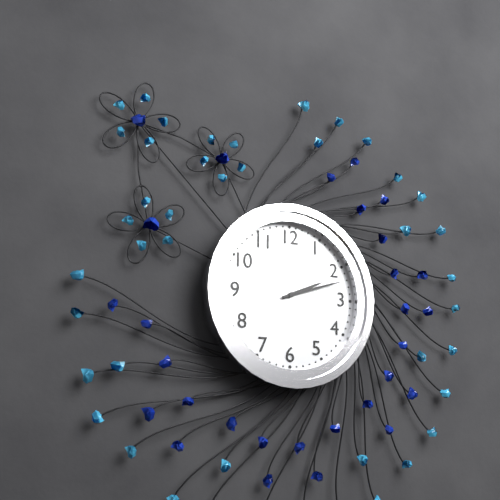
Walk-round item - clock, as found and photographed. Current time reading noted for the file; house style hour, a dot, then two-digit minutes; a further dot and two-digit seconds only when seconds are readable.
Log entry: 2.12
